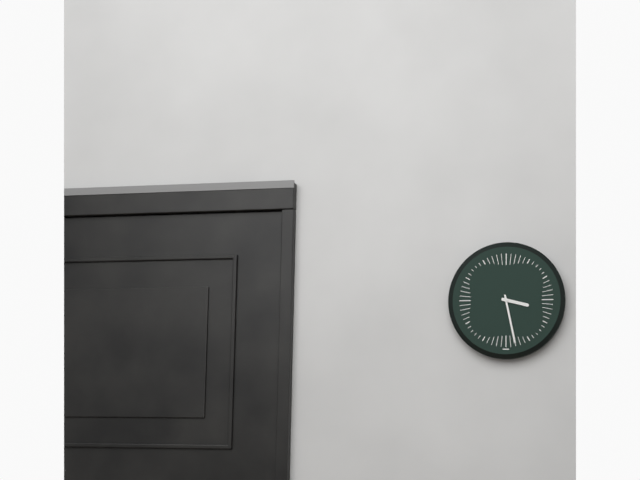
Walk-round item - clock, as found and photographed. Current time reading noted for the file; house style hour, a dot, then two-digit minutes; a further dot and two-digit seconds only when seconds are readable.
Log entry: 3.28
